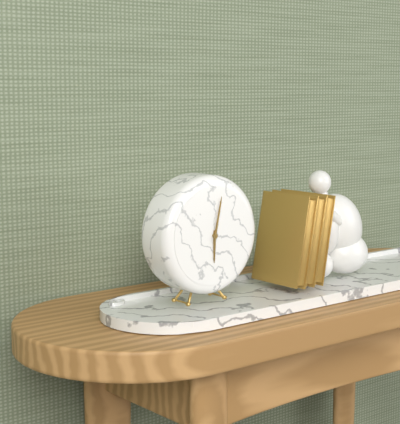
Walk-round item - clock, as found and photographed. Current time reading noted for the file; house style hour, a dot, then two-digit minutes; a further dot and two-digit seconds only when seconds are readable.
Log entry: 6.02
